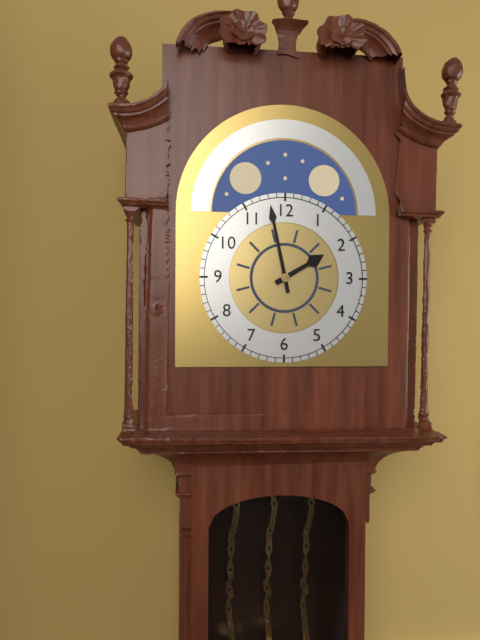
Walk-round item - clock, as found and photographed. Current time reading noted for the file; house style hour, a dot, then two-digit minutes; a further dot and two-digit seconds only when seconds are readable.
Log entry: 1.58
